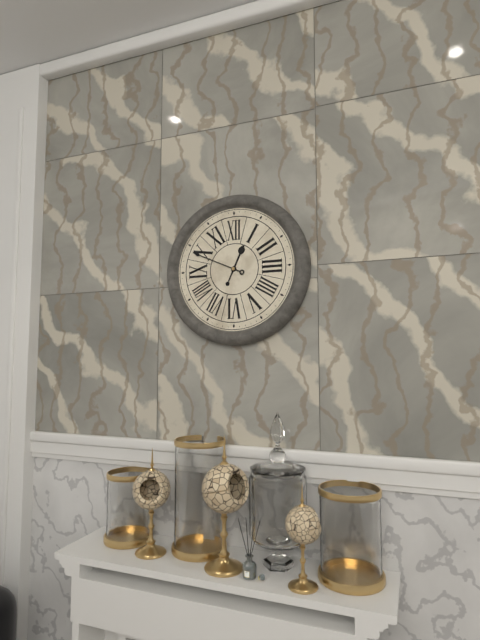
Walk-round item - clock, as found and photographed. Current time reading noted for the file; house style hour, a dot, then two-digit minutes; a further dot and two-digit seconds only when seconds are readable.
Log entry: 12.49
